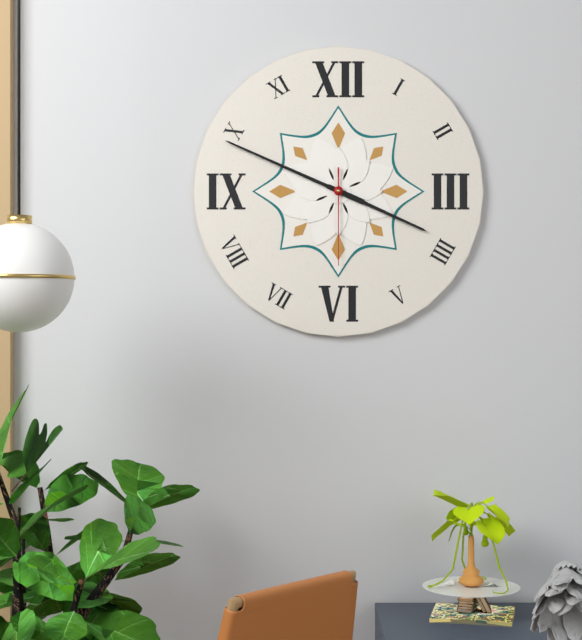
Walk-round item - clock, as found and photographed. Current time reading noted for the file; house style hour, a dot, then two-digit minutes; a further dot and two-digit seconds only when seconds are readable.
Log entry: 3.49.30
